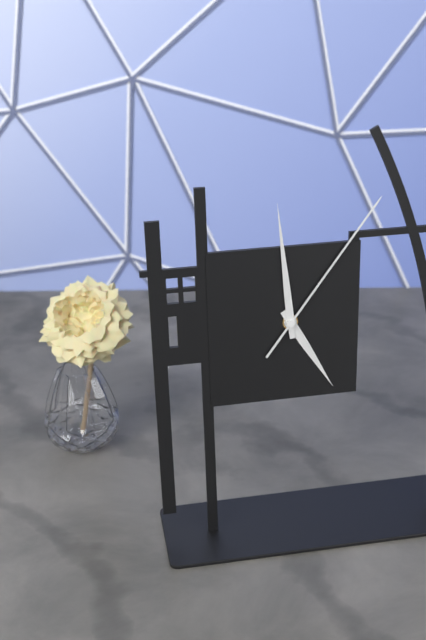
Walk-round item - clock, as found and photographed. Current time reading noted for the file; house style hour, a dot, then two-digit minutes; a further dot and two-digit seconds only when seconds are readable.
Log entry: 4.59.06
